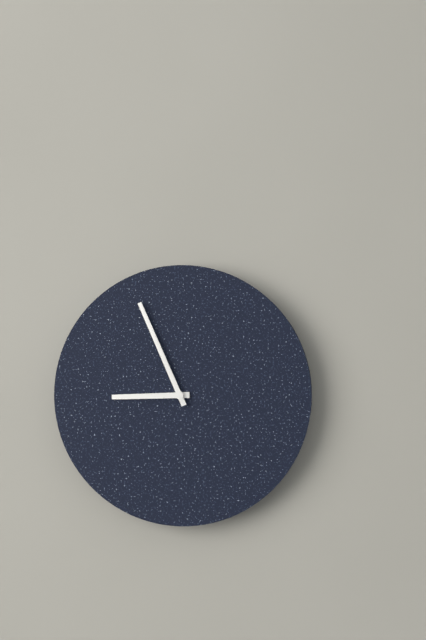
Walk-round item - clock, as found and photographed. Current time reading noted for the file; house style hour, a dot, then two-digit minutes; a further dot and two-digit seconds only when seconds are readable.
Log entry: 8.56
